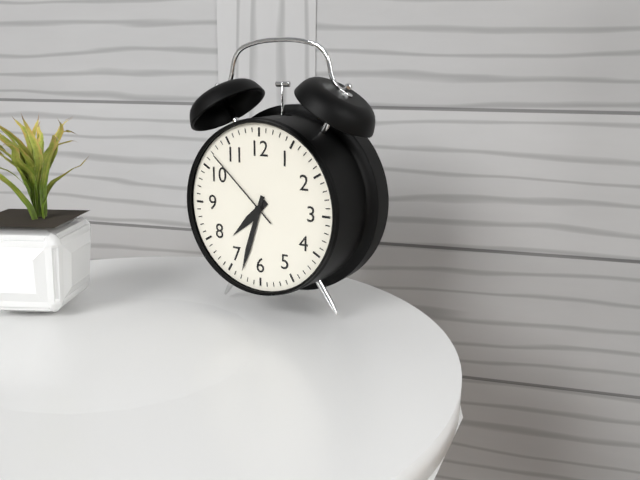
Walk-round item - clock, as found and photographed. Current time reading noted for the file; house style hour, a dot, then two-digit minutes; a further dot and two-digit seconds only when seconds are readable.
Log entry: 7.33.52
